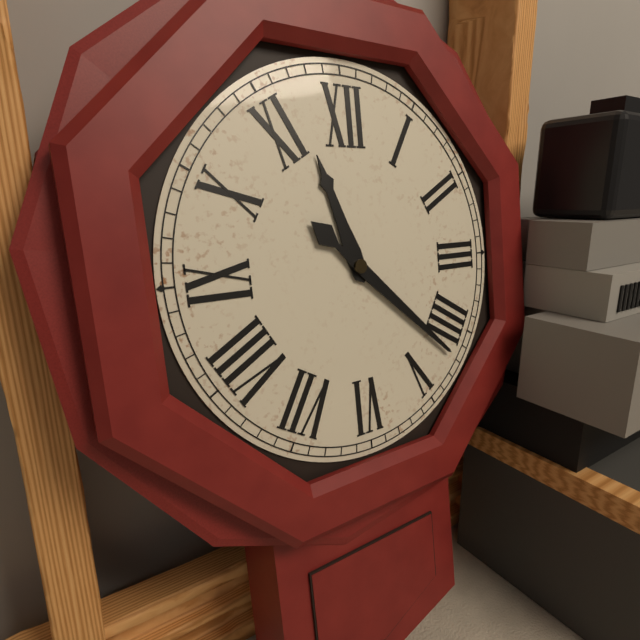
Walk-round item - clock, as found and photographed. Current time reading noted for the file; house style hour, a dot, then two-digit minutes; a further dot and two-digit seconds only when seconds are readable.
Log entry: 11.22
